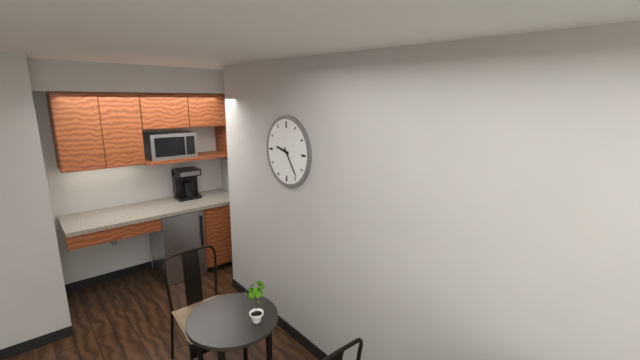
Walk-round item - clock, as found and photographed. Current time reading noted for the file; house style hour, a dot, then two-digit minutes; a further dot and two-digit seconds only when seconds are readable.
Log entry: 9.24
